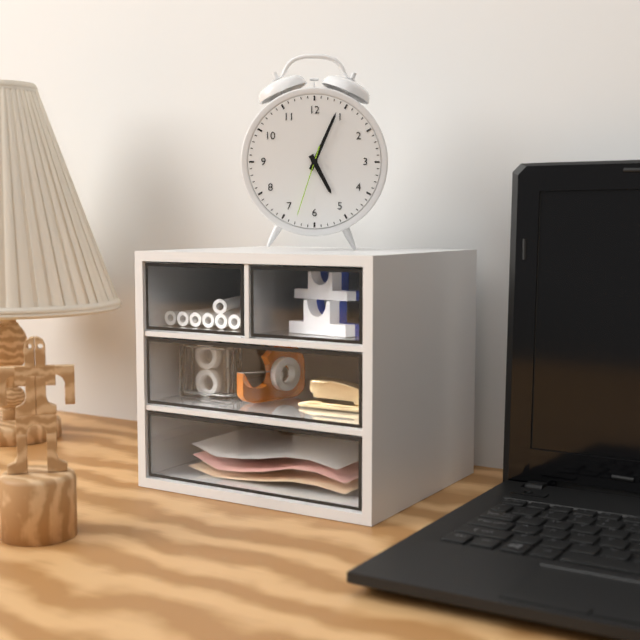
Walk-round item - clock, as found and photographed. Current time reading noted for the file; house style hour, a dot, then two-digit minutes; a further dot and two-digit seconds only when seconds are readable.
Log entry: 5.04.33
